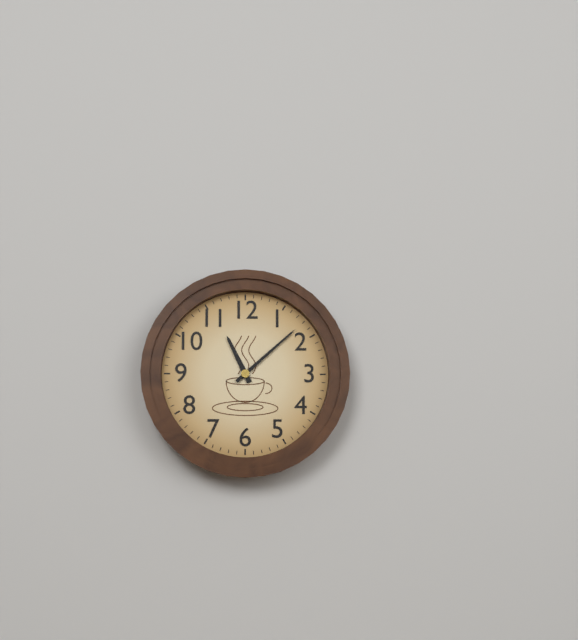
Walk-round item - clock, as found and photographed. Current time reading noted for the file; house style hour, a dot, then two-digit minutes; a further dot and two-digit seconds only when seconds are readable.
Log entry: 11.08
